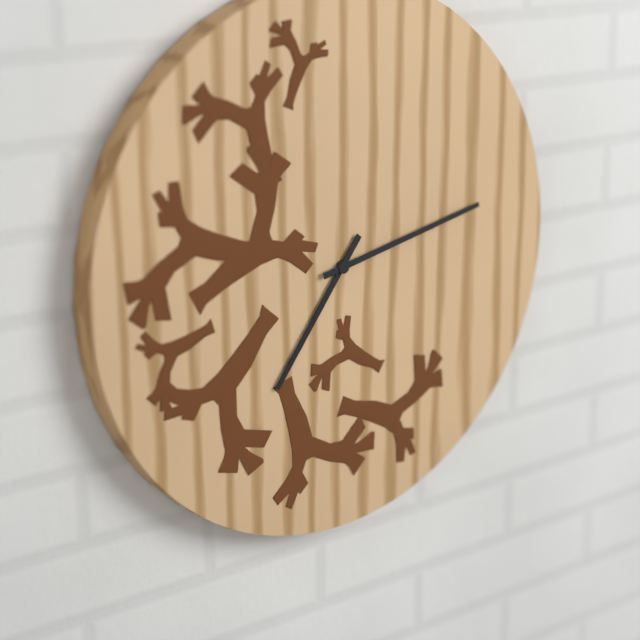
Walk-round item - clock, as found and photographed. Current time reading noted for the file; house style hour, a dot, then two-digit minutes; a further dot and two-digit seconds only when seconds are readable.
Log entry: 7.13
